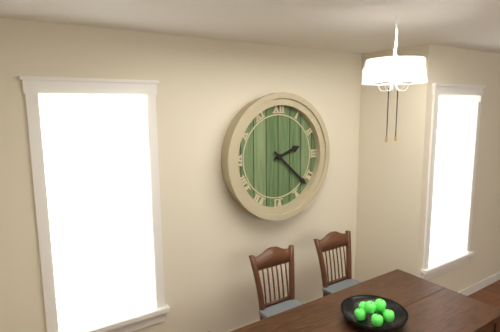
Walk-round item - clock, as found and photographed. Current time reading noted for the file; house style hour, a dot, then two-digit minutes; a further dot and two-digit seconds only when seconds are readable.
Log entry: 2.22
